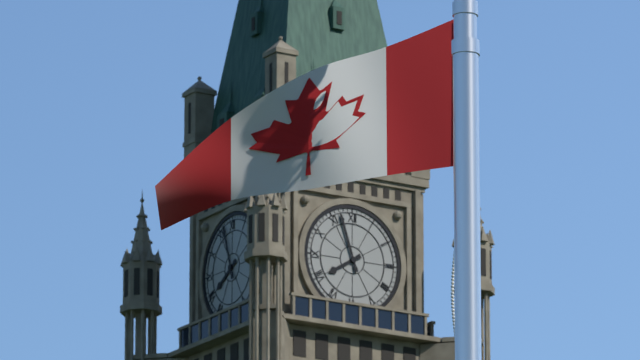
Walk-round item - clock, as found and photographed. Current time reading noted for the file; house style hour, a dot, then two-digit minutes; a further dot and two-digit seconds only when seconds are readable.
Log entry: 7.57
